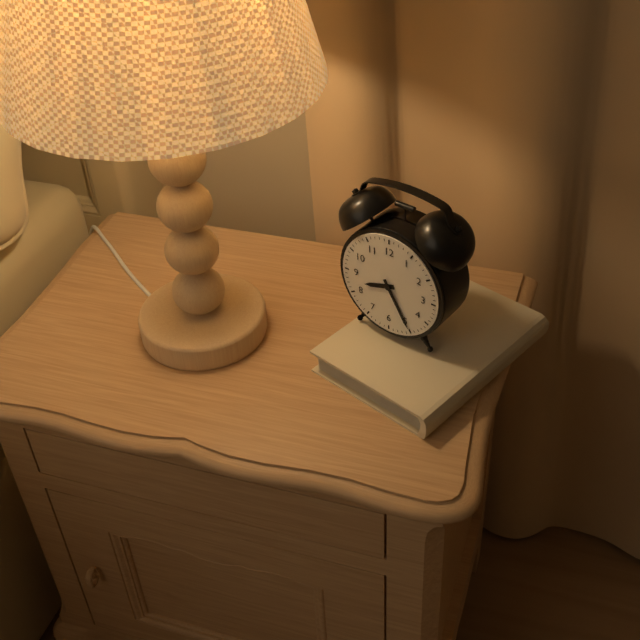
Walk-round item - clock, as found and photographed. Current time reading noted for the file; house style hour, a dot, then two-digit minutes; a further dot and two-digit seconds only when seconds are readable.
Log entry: 8.25
